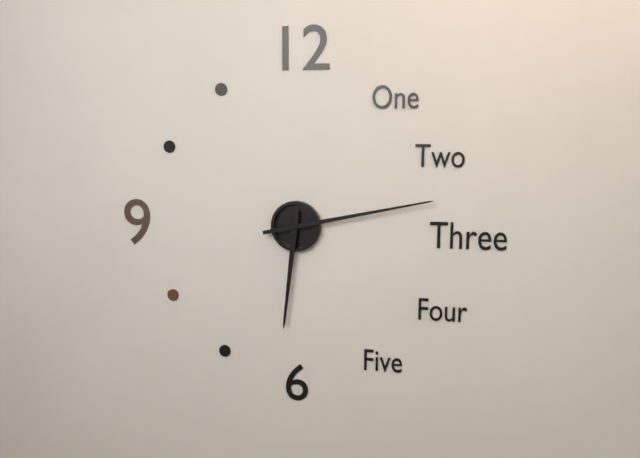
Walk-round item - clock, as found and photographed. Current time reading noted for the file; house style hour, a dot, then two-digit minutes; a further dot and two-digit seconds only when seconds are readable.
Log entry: 6.13
